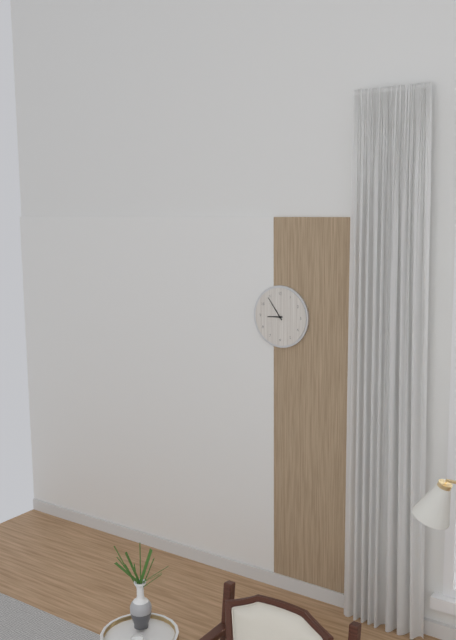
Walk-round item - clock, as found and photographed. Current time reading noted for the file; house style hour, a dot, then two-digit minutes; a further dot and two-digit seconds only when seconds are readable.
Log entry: 8.54
